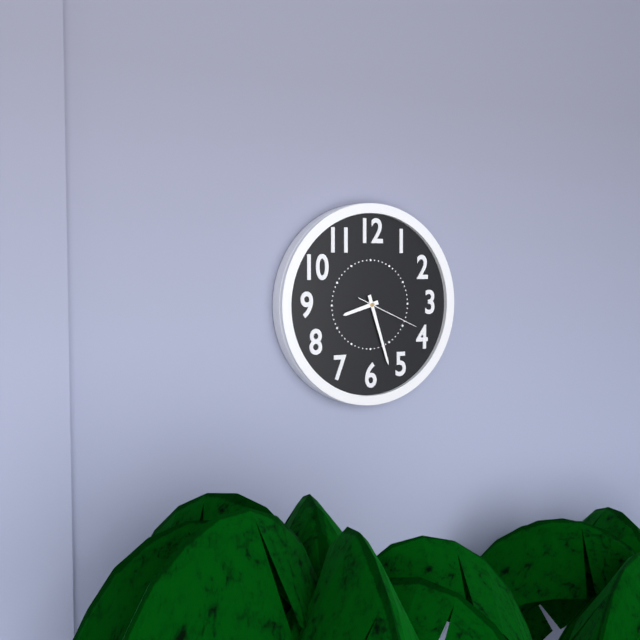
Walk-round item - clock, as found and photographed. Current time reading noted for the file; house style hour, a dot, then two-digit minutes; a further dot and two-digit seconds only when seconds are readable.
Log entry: 8.27.19
